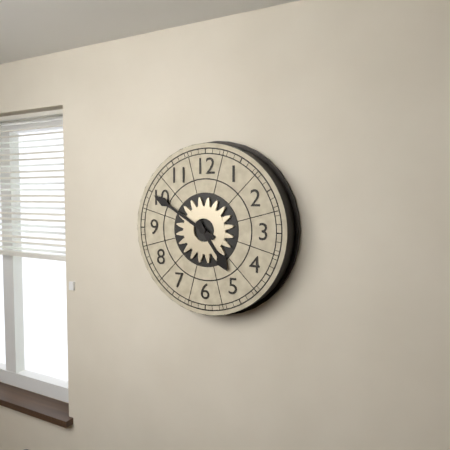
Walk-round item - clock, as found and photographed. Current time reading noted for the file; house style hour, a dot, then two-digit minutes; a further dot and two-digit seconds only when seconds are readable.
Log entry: 4.50
